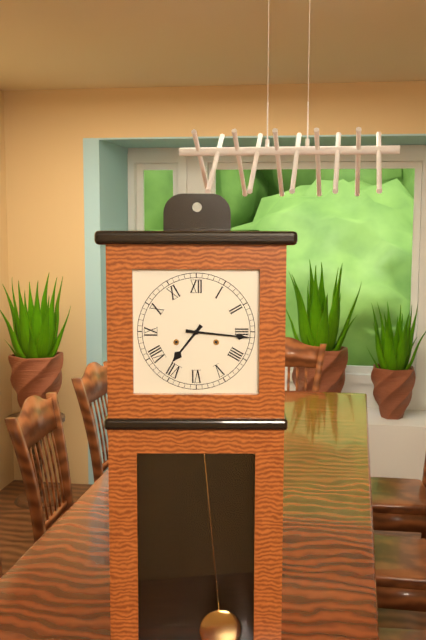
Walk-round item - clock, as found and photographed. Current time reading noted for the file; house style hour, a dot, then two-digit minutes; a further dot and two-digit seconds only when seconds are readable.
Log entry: 7.16
